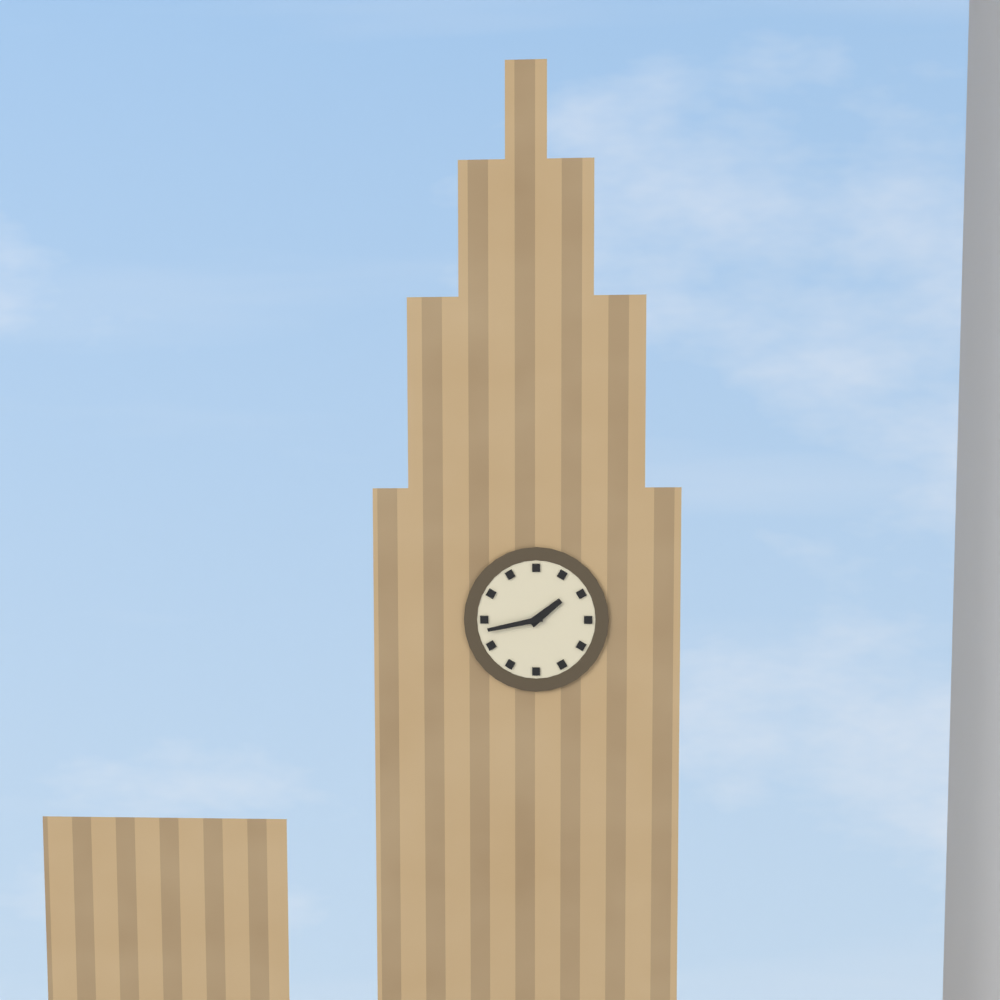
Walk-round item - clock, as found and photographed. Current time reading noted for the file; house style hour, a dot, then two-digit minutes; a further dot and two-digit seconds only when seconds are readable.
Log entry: 1.43
